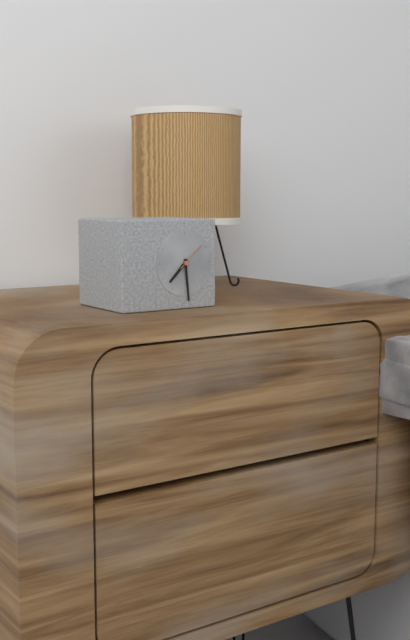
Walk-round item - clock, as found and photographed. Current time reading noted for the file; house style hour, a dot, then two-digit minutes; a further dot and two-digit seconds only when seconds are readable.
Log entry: 7.29
